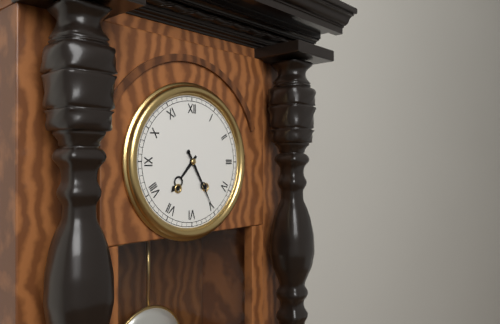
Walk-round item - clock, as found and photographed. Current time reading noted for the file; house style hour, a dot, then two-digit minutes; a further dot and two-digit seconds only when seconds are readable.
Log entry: 7.25
